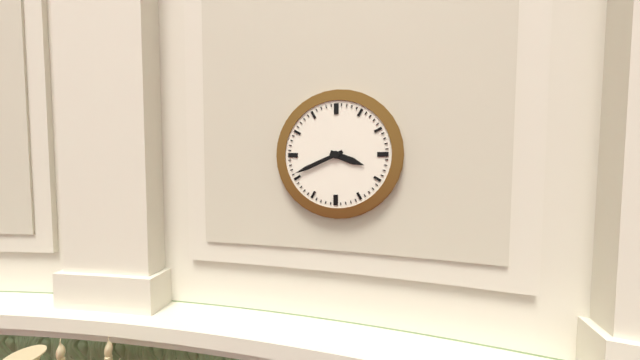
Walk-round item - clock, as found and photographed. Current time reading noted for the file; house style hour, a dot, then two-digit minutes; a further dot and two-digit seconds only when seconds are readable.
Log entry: 3.41
